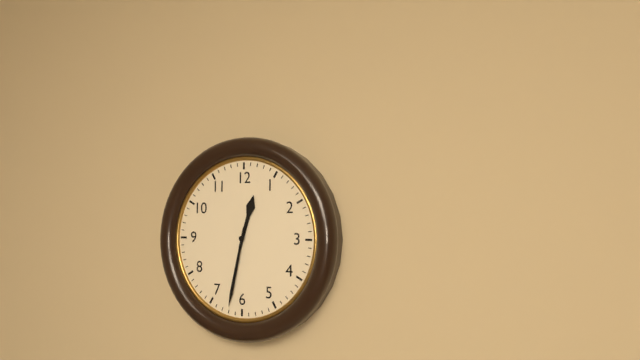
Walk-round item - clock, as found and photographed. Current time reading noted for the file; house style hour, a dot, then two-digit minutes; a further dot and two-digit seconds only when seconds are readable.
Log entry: 12.32
